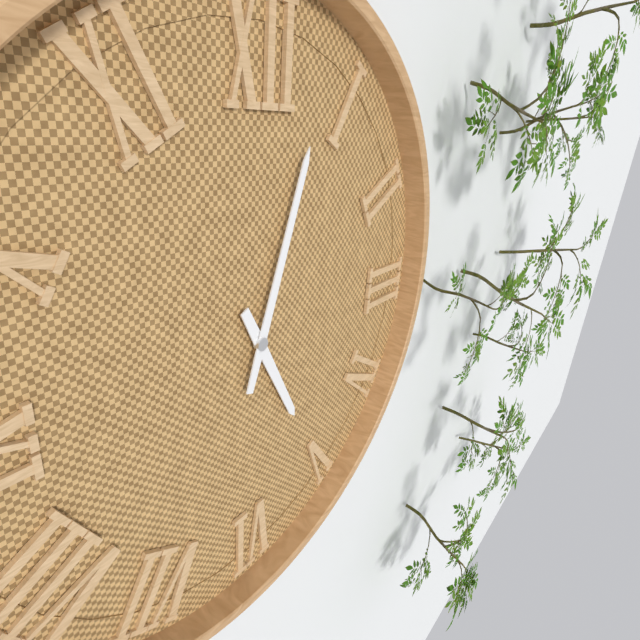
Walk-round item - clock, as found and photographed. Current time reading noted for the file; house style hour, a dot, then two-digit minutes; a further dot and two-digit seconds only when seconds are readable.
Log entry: 5.03
